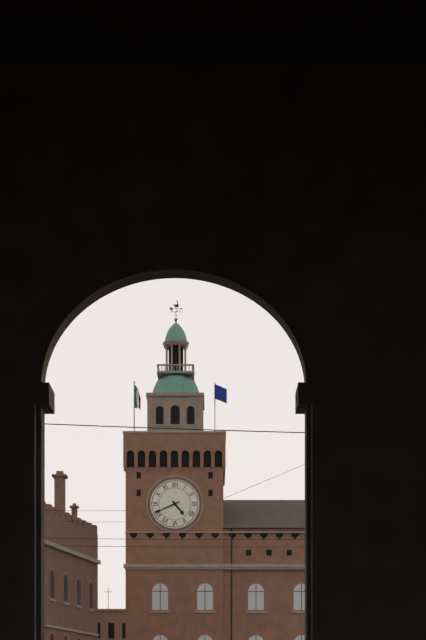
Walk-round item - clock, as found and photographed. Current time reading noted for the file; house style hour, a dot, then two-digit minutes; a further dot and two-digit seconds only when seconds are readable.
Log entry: 4.41
